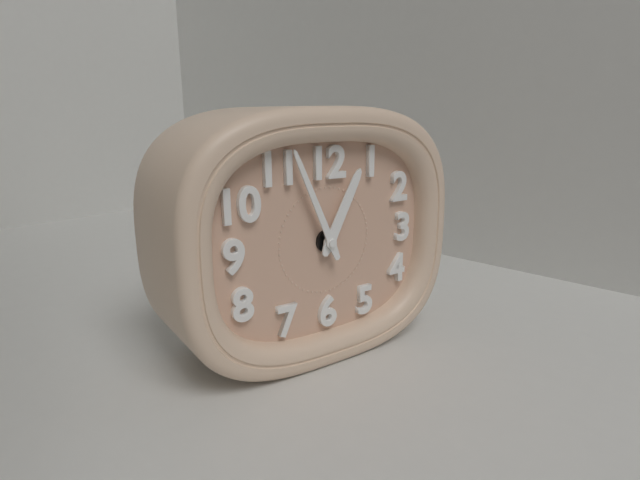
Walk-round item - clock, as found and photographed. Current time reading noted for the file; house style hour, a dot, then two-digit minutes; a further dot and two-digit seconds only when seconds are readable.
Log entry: 12.56
